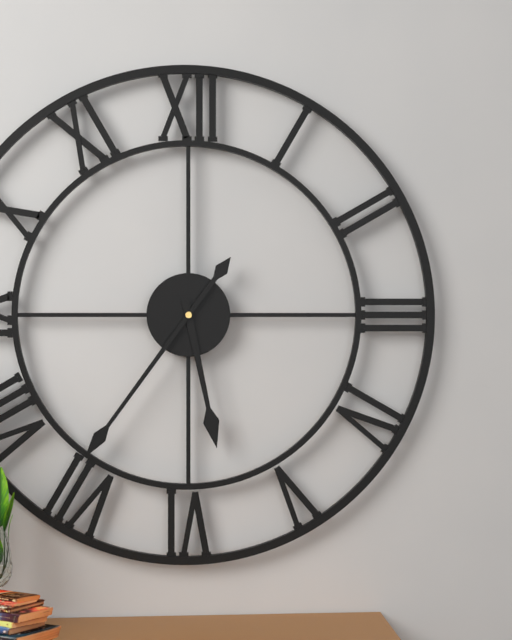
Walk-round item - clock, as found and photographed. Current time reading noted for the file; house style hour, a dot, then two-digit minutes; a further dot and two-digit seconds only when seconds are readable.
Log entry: 5.36
